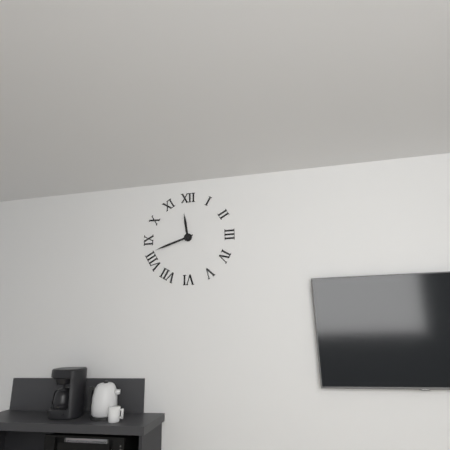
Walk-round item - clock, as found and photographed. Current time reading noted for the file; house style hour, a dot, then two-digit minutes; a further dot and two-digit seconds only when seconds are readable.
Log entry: 11.42
